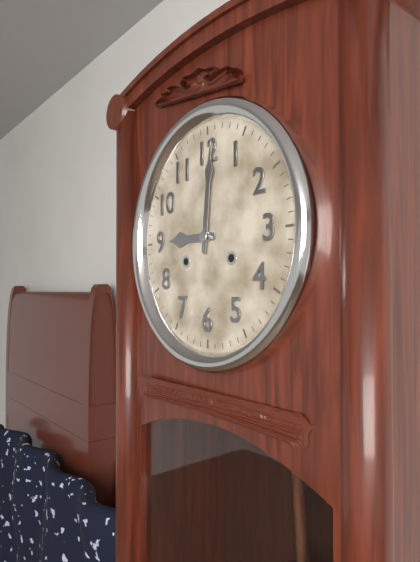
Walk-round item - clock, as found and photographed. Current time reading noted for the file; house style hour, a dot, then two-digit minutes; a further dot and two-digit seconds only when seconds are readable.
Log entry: 9.01
